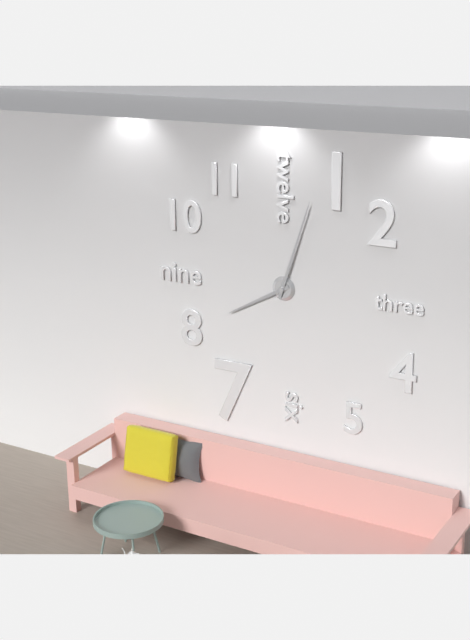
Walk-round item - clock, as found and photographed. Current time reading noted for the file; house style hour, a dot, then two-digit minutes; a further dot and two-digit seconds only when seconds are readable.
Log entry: 8.03
